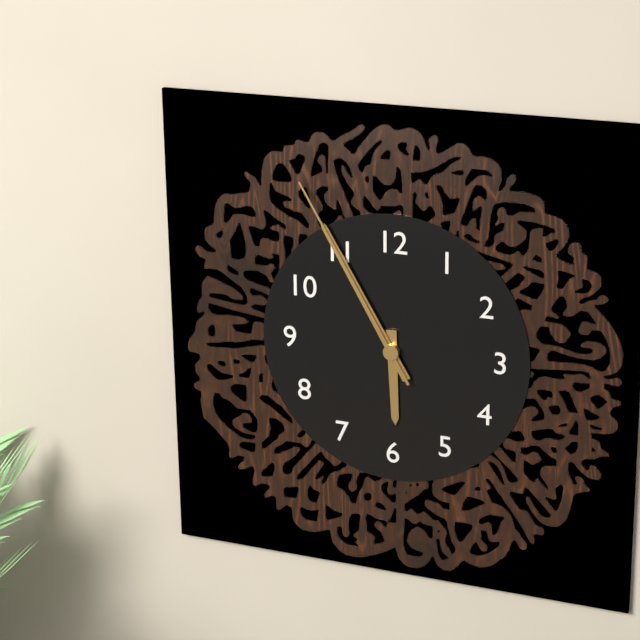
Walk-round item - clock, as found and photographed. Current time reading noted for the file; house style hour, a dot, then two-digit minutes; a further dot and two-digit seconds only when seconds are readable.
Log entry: 5.55.55
